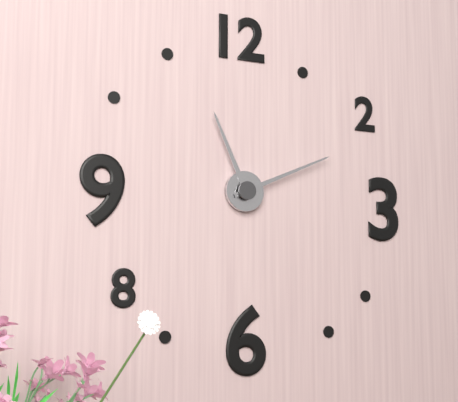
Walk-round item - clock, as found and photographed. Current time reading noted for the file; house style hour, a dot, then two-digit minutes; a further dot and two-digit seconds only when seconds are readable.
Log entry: 11.11
